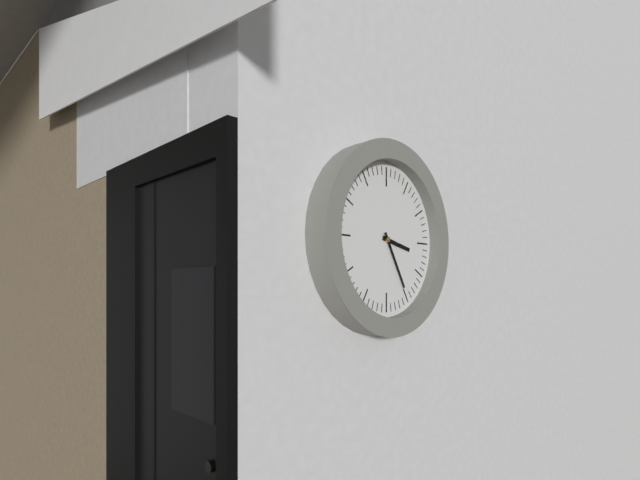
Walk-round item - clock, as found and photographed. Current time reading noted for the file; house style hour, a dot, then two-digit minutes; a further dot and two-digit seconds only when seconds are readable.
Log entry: 3.25
